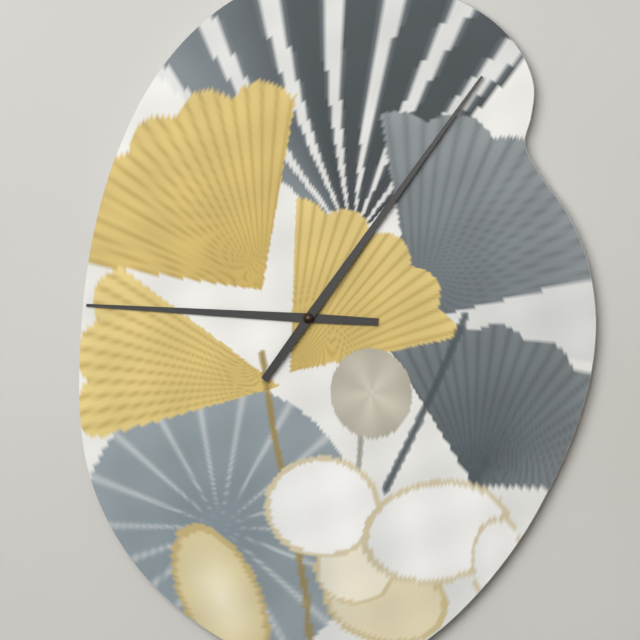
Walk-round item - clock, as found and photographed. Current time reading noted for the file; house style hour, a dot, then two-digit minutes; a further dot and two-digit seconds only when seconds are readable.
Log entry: 9.06
